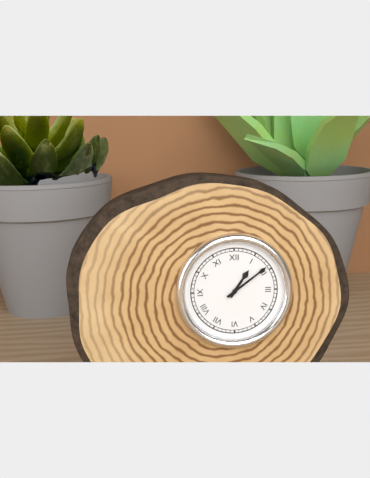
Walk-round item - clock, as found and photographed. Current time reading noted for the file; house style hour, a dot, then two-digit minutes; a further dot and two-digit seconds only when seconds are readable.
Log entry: 1.09
